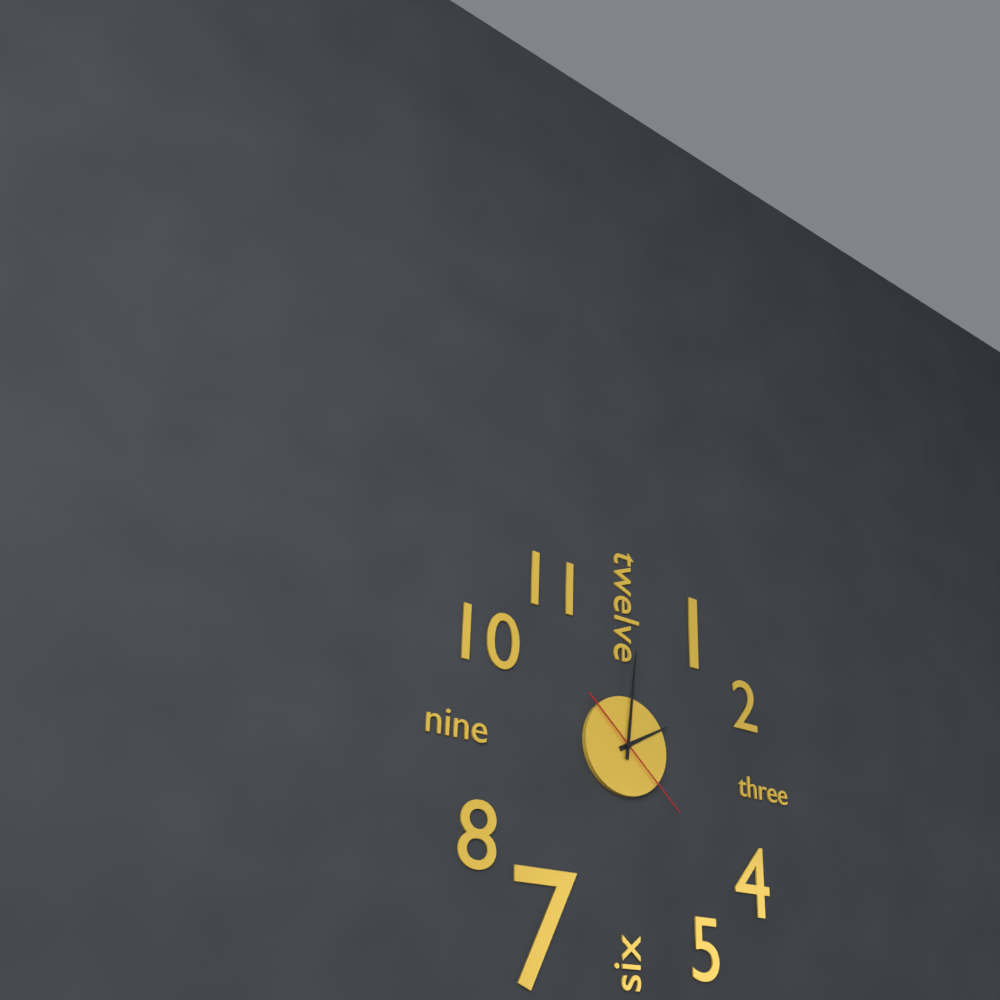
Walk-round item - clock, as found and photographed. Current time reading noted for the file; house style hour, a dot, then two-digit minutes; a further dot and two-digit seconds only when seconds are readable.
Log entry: 2.01.22
